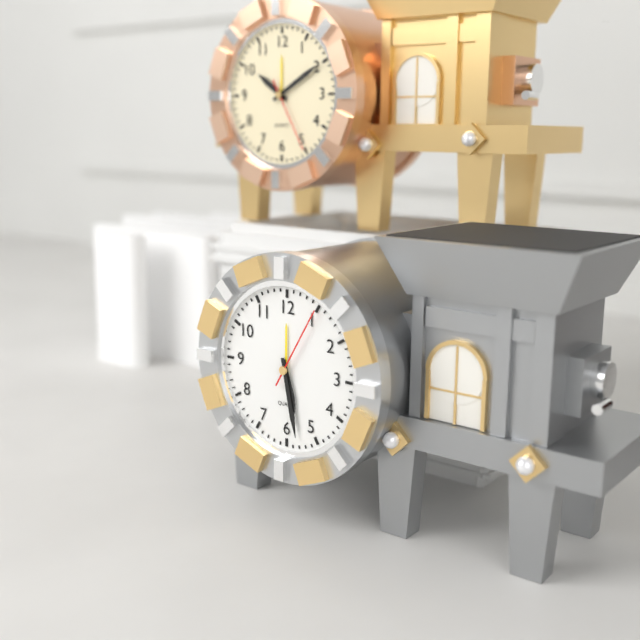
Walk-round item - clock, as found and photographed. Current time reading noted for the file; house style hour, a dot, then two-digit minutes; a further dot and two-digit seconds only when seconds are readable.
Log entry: 5.28.05
